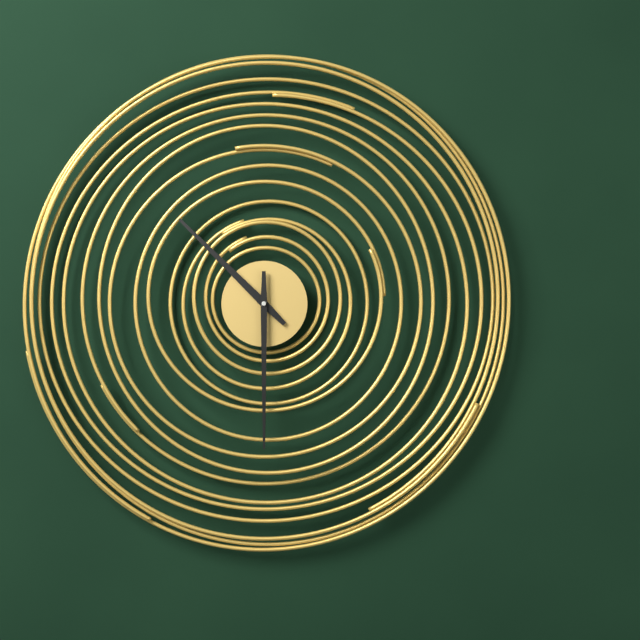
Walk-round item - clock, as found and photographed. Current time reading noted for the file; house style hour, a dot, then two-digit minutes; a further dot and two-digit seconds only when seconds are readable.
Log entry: 10.30
